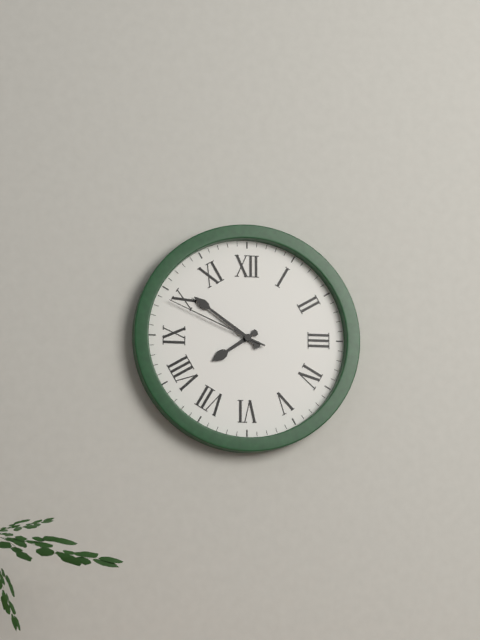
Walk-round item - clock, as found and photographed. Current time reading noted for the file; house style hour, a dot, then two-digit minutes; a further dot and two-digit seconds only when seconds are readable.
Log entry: 7.51.49
